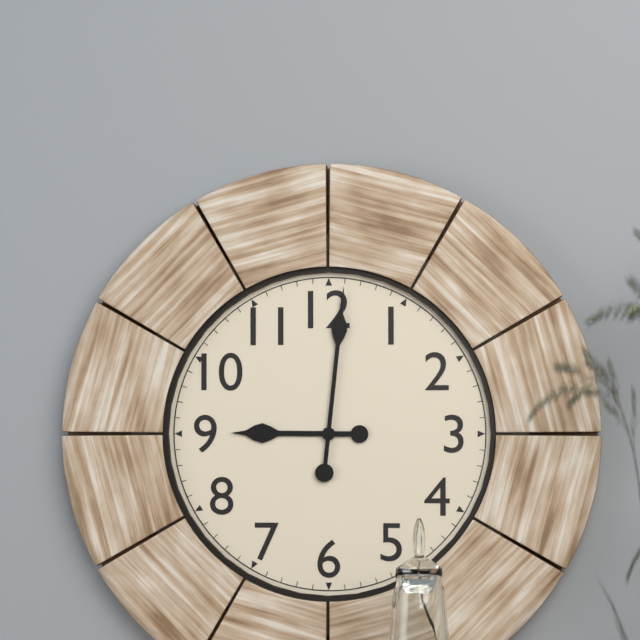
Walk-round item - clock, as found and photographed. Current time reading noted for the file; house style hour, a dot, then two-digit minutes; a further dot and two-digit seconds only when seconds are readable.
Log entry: 9.01
